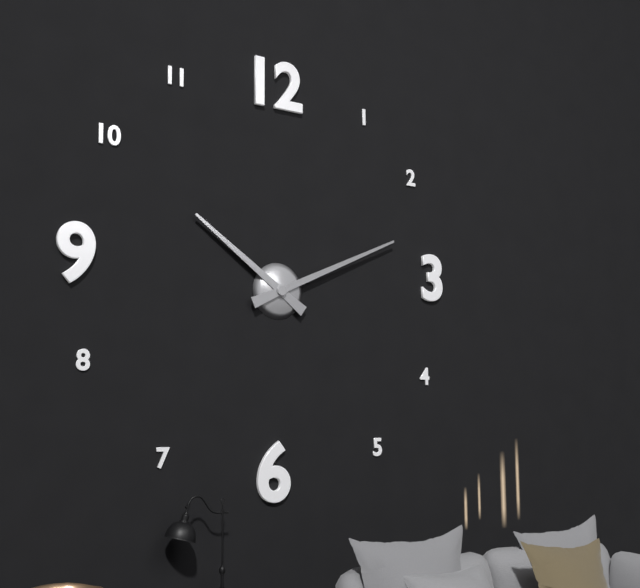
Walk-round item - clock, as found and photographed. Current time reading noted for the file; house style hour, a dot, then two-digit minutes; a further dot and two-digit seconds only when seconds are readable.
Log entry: 10.11
